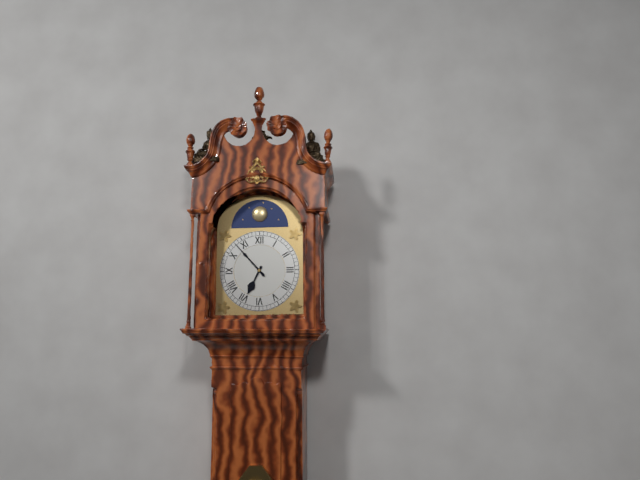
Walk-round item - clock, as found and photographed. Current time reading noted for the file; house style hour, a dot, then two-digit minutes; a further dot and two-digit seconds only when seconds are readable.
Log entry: 6.53
